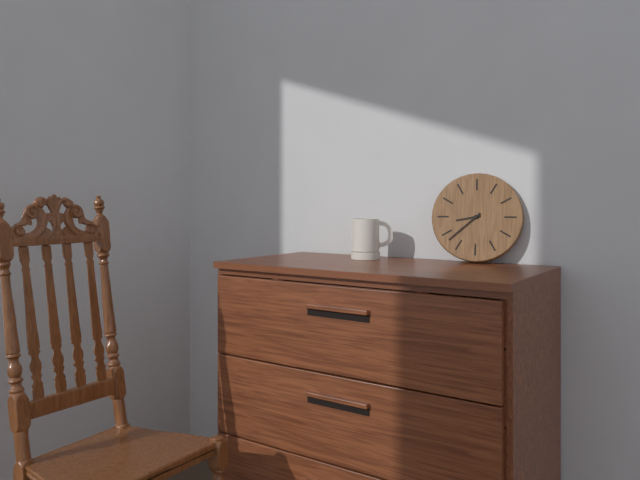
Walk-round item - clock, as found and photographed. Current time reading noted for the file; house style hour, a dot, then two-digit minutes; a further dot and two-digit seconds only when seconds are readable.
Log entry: 8.38
